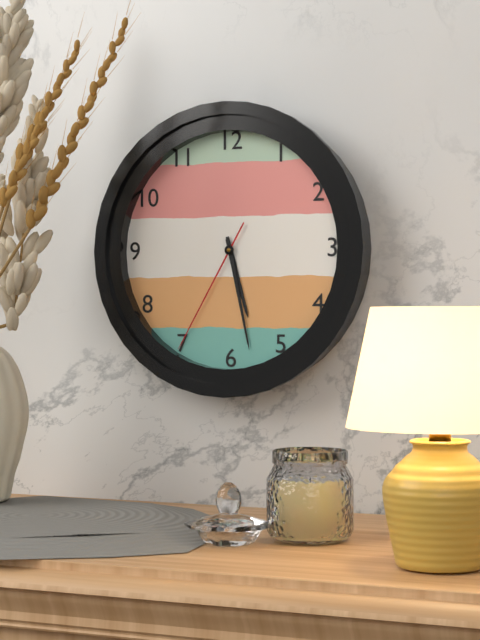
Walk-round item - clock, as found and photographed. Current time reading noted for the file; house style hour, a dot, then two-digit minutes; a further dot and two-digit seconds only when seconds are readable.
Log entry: 5.28.35
